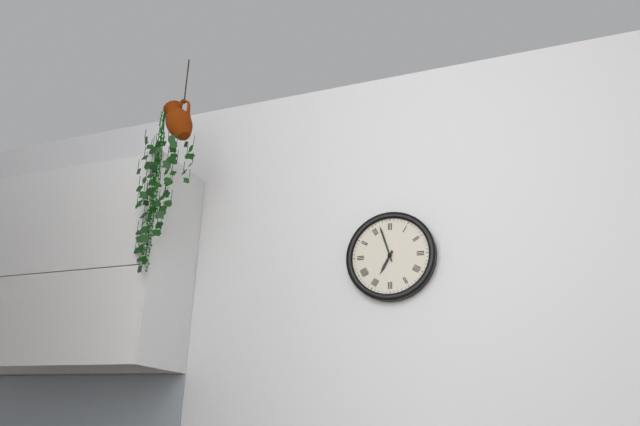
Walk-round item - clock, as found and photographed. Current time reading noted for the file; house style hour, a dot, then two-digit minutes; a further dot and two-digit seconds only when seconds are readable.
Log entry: 6.57
